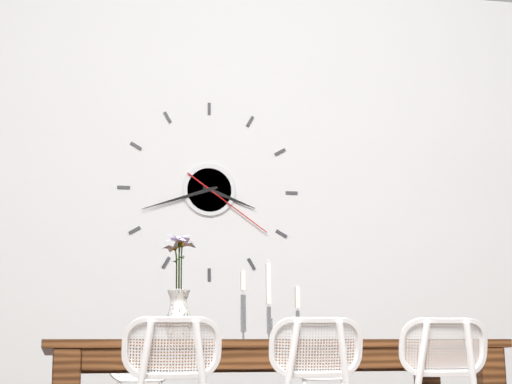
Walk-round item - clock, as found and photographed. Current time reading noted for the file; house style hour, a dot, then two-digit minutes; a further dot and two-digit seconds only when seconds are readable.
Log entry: 3.42.21
